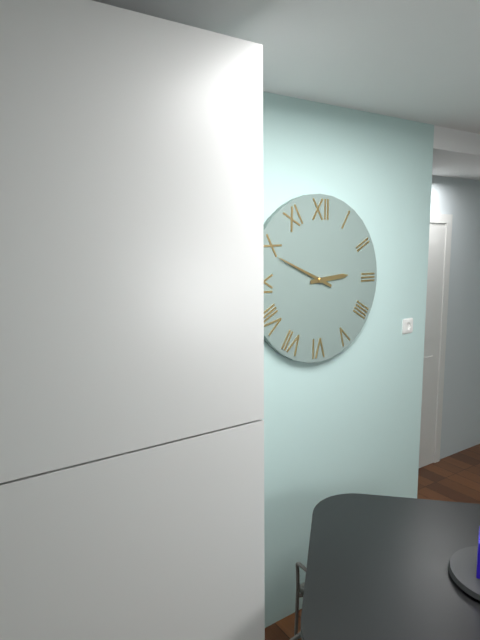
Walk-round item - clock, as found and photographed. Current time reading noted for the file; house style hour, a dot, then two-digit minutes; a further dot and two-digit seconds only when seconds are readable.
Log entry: 2.49
